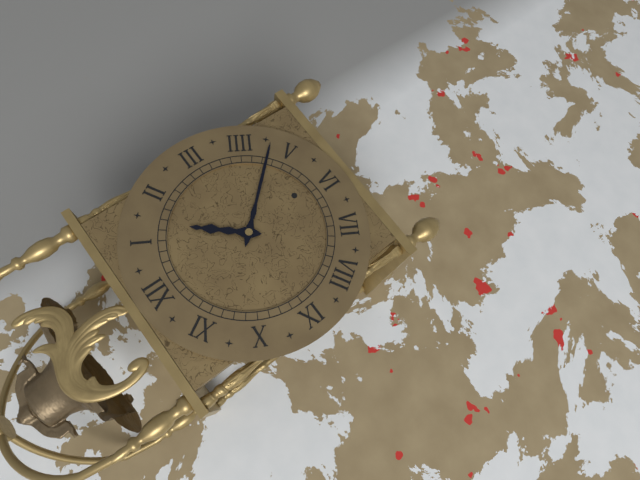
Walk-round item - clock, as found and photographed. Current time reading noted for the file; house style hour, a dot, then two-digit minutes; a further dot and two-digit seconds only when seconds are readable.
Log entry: 1.23
